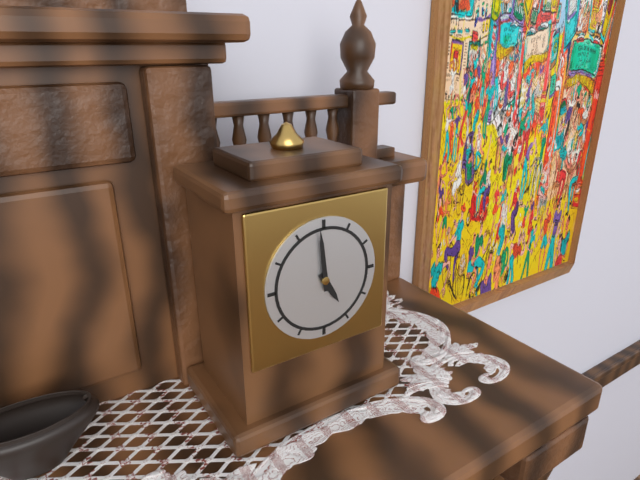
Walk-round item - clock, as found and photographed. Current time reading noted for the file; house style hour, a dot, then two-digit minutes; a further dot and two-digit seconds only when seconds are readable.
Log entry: 4.59
